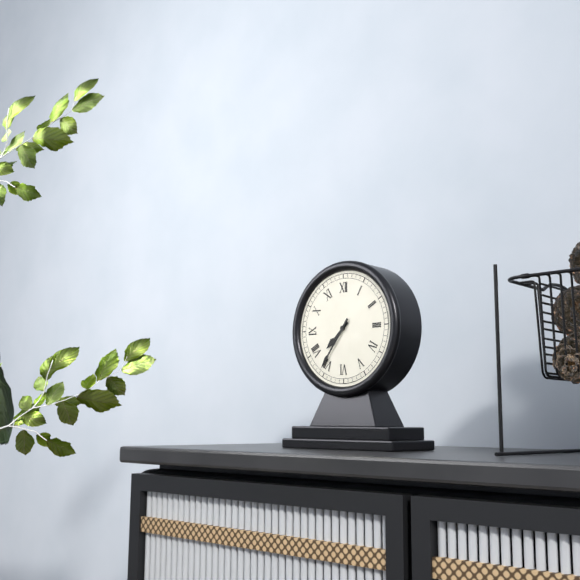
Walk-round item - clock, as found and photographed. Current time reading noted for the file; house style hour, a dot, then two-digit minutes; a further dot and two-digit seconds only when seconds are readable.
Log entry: 7.36
